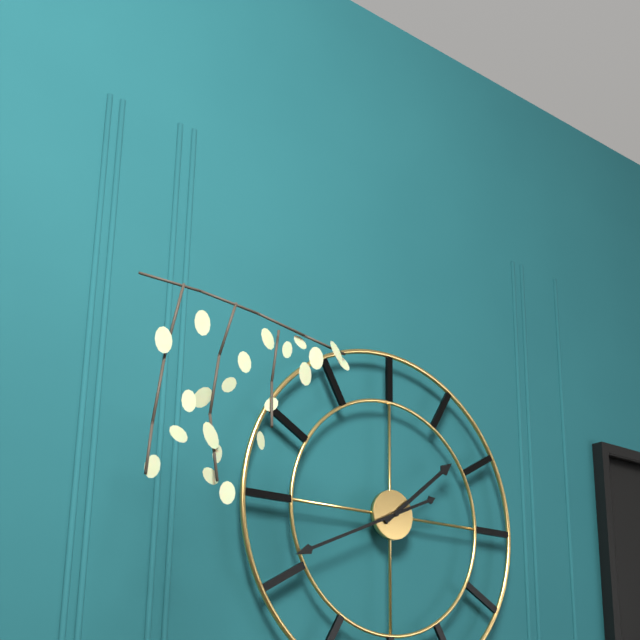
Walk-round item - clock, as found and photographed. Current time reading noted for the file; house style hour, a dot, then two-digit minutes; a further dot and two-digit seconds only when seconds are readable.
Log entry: 1.41
